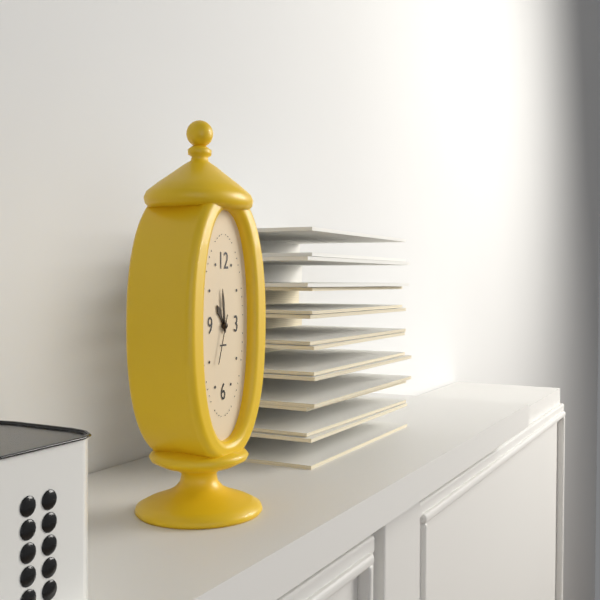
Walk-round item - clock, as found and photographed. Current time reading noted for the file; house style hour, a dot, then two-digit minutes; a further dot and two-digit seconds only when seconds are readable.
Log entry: 10.59
